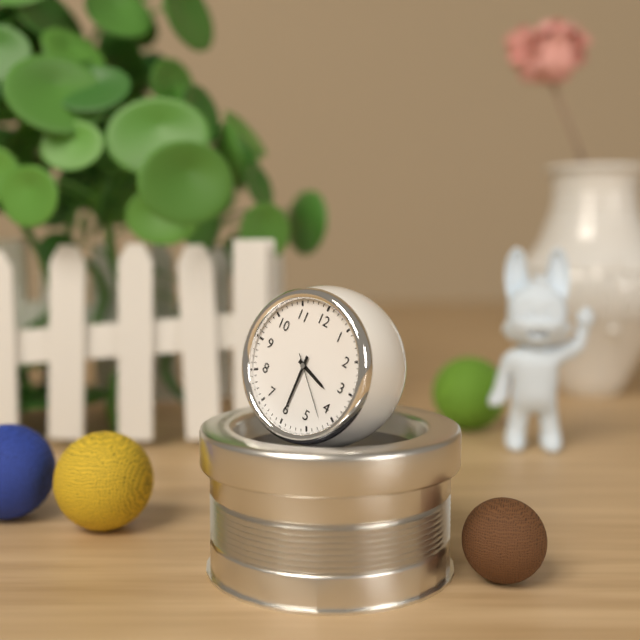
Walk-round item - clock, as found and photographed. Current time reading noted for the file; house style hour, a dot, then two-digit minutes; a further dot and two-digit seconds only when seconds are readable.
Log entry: 3.30.22
